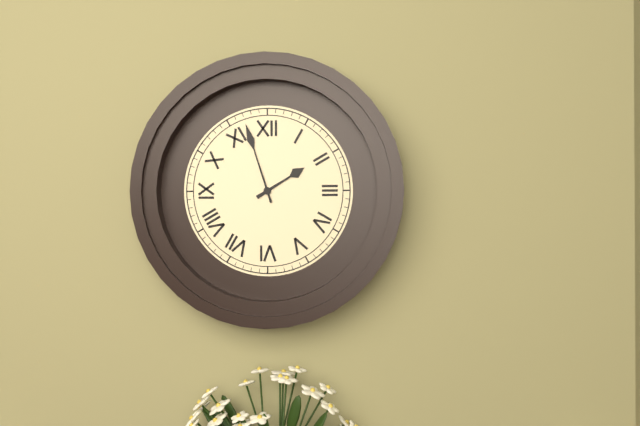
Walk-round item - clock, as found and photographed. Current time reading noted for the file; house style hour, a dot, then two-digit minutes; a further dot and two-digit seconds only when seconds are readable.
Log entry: 1.57
